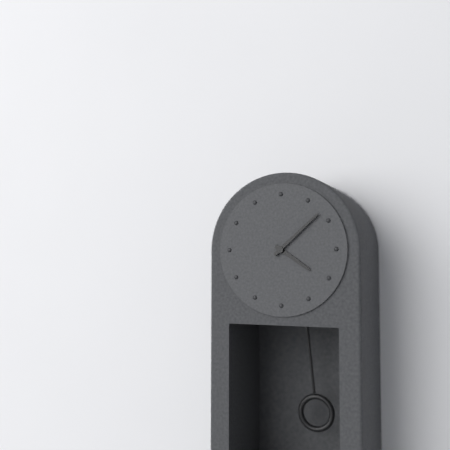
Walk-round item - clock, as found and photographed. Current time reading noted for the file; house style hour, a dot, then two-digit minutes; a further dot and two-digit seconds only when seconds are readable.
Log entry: 4.08
